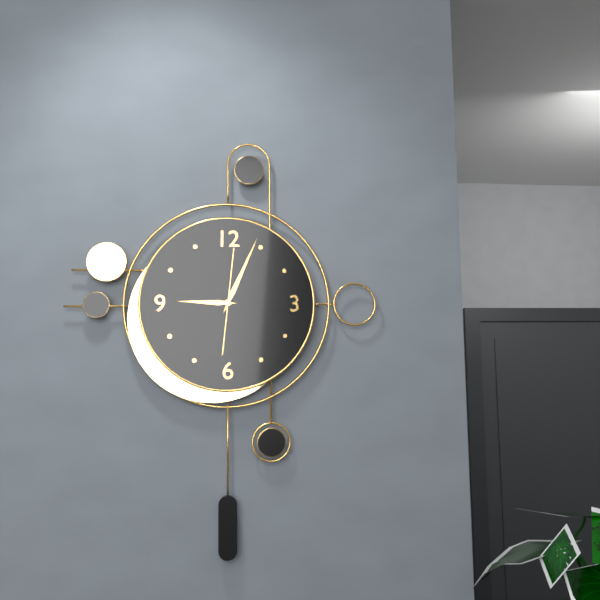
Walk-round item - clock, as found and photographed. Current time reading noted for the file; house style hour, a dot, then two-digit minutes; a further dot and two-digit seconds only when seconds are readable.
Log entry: 9.04.01
